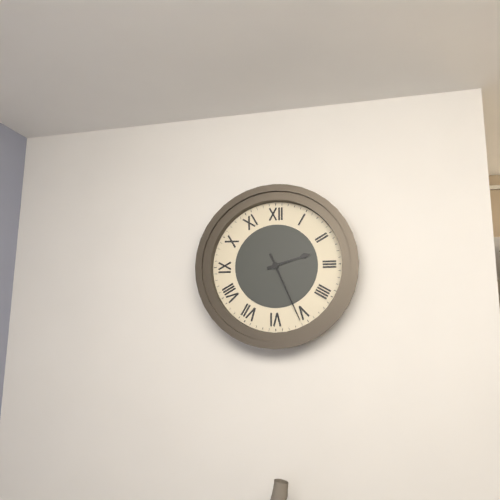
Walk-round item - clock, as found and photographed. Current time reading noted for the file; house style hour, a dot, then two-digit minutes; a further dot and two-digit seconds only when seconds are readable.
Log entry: 2.26
